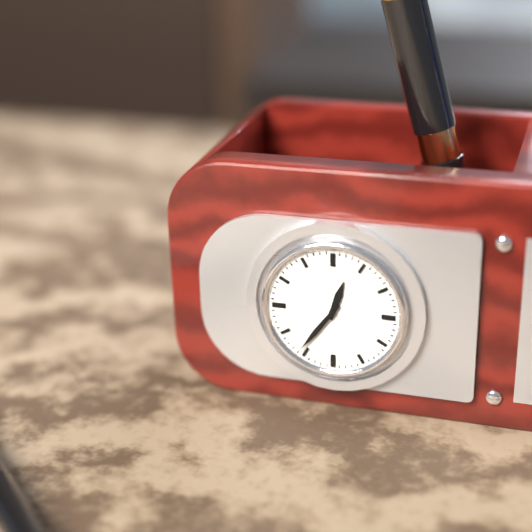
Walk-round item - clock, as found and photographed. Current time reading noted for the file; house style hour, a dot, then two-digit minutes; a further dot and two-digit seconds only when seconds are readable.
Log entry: 12.36
